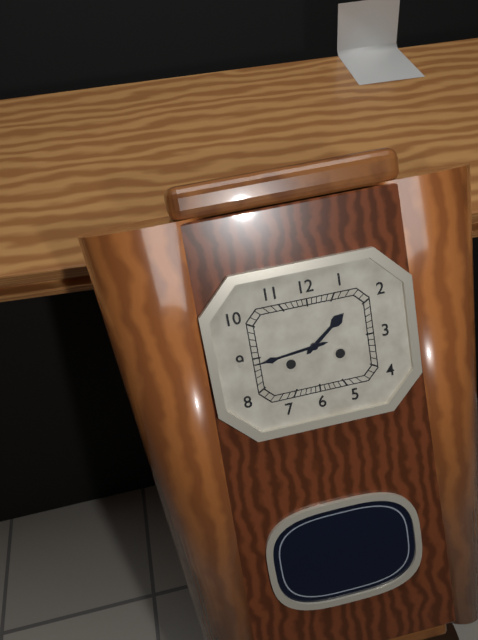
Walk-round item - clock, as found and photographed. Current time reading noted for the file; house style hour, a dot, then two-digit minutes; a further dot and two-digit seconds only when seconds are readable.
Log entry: 1.44
